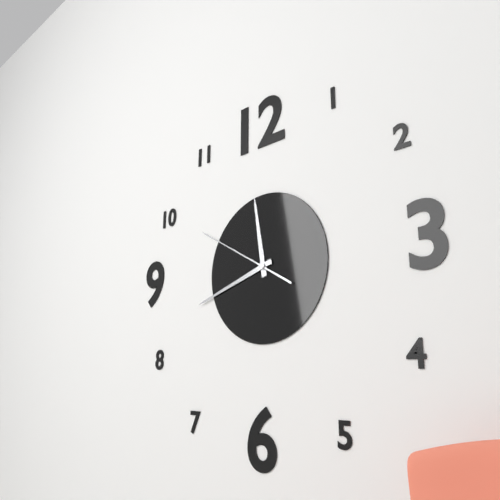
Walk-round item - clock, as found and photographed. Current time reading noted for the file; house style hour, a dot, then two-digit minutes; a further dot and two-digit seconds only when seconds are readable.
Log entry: 11.42.50
